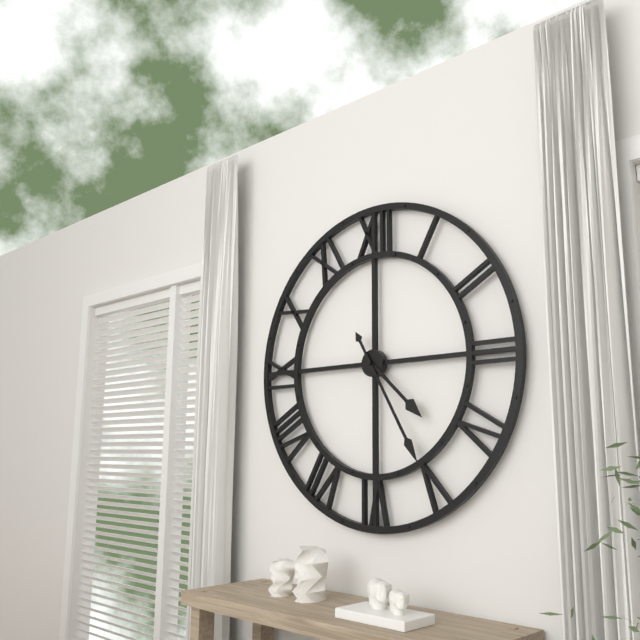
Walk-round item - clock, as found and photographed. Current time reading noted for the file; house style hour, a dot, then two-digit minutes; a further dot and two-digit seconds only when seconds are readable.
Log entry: 4.25
